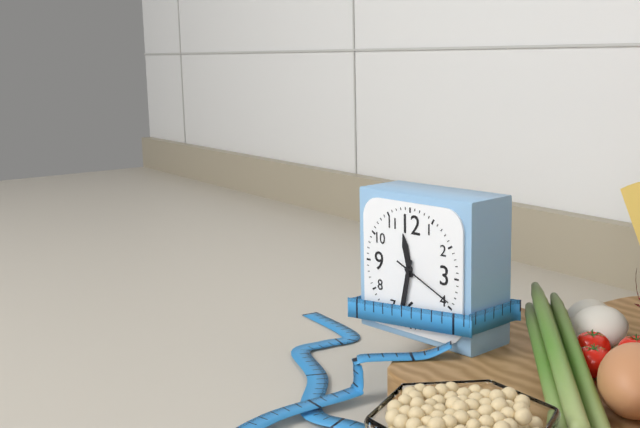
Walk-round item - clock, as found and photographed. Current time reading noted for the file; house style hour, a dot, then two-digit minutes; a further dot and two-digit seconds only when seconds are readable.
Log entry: 11.32.19
